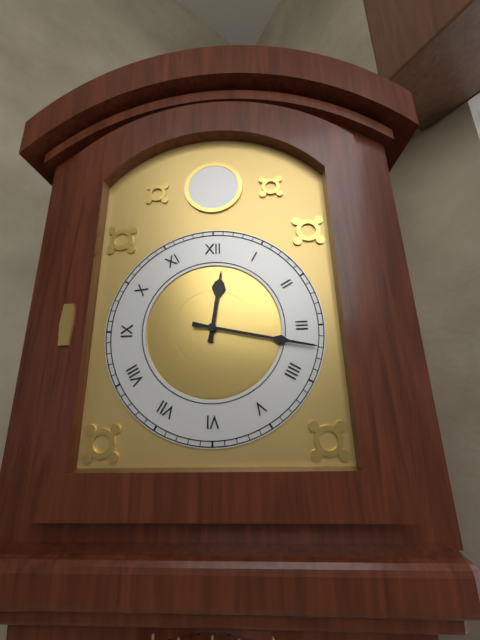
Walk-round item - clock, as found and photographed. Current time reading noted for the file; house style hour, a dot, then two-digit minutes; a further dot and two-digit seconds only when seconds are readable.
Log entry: 12.17
